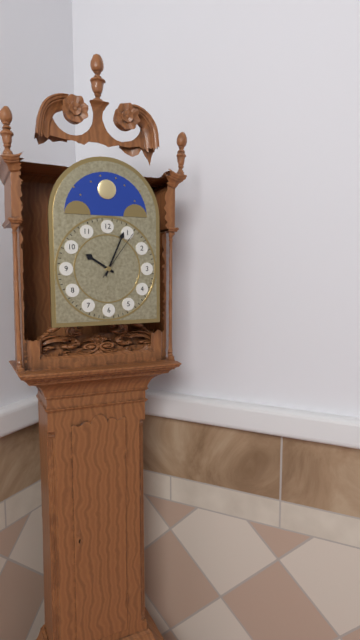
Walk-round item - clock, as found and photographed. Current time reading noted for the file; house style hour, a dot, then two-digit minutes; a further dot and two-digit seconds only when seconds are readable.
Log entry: 10.04.06
